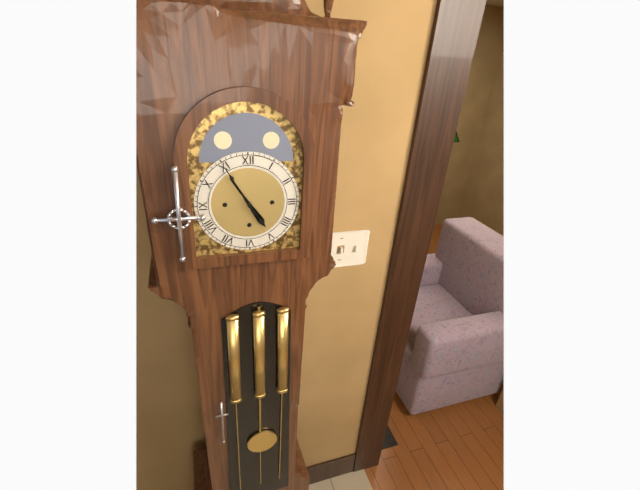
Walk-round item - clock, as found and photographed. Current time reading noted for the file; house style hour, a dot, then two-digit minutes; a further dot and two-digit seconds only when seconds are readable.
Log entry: 4.55
